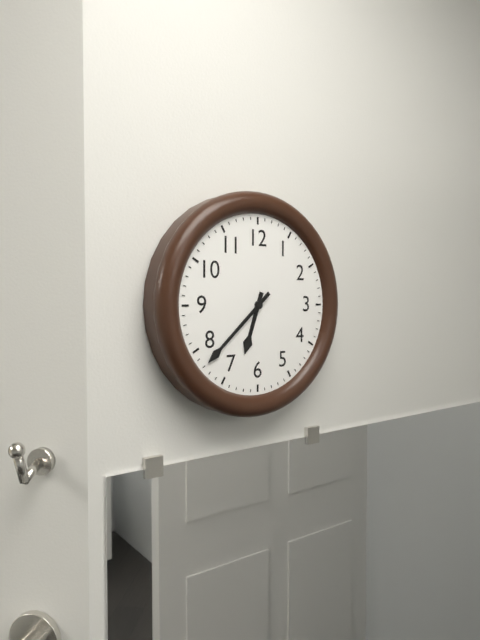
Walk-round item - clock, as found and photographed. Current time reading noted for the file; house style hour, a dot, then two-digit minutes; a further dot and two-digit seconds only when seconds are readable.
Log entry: 6.38
